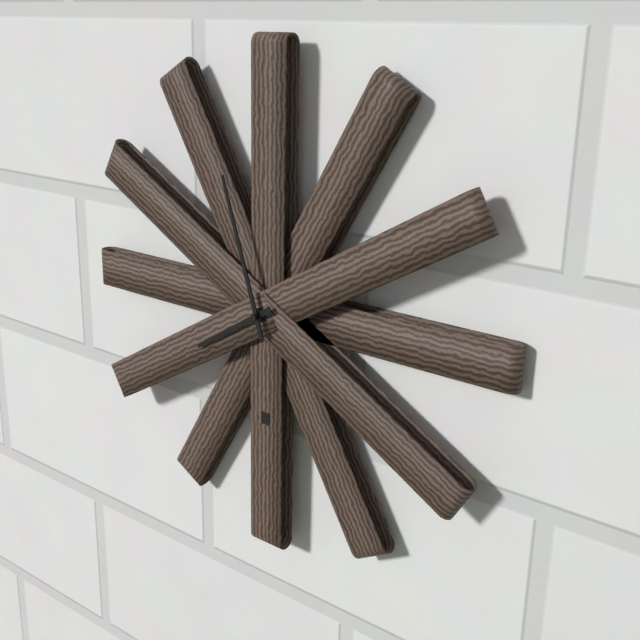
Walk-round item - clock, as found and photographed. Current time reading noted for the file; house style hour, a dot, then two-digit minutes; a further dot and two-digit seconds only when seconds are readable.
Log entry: 7.57
